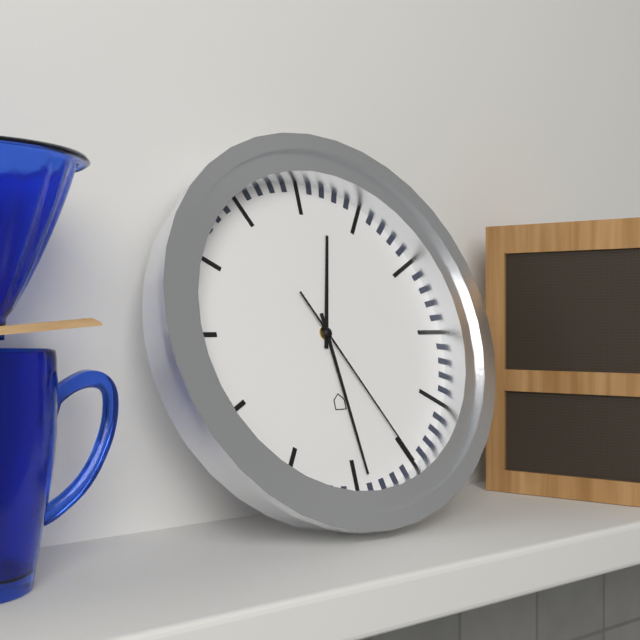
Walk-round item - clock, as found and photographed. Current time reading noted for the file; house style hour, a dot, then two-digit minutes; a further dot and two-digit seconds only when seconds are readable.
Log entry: 12.29.25
